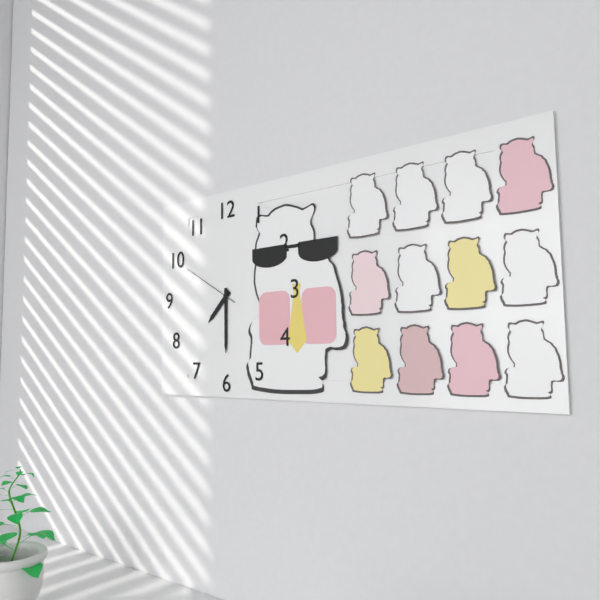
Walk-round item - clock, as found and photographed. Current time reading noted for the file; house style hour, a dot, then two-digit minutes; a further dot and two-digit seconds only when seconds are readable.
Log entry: 7.30.50
